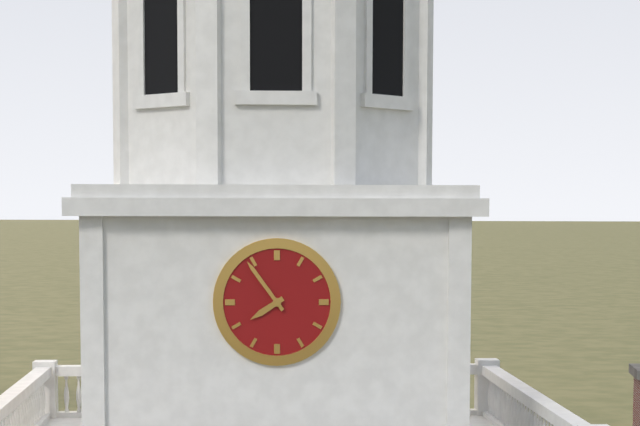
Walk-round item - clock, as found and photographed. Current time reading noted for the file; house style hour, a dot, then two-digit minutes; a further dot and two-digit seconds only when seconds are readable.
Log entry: 7.54
